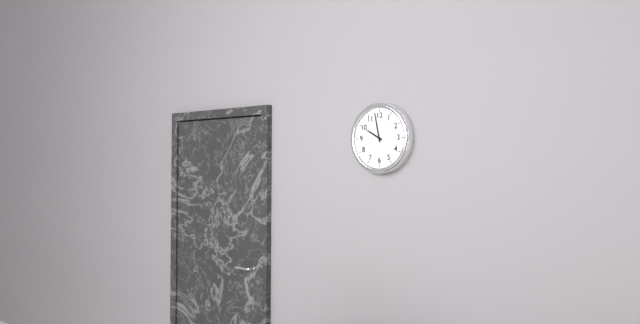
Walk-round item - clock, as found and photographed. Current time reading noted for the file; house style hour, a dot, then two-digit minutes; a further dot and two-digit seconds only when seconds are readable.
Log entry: 9.58
